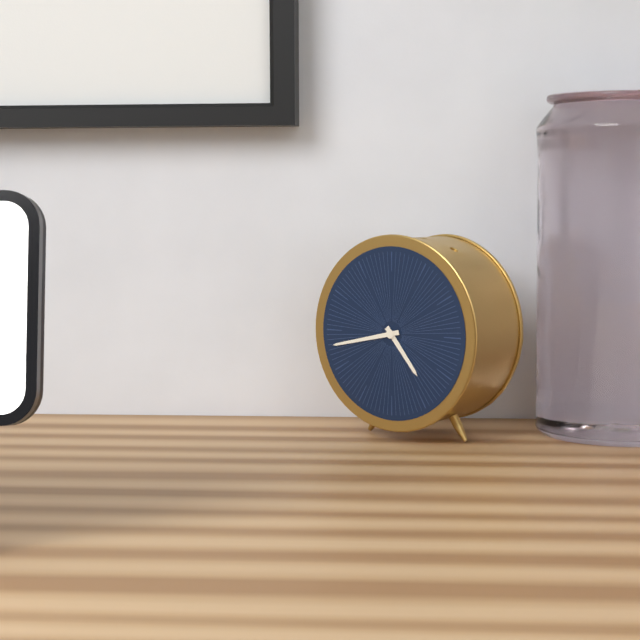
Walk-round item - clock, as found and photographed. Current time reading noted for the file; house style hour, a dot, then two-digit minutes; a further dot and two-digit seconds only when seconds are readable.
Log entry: 4.43
